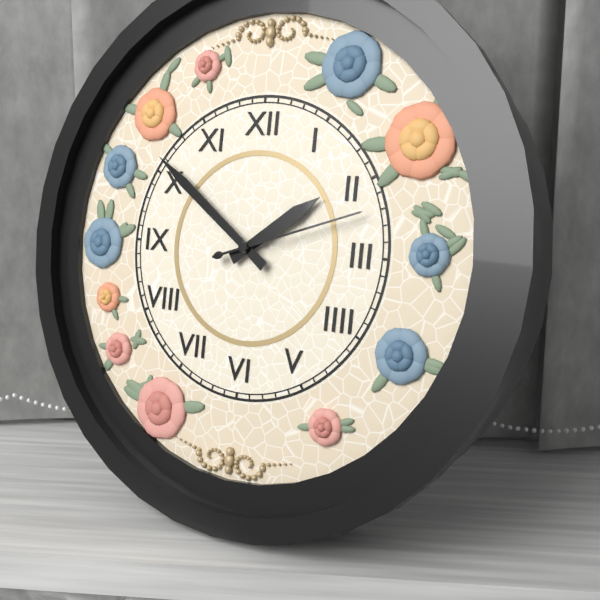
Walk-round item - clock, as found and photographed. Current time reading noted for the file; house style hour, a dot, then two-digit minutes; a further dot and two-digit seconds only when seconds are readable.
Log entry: 1.51.12
